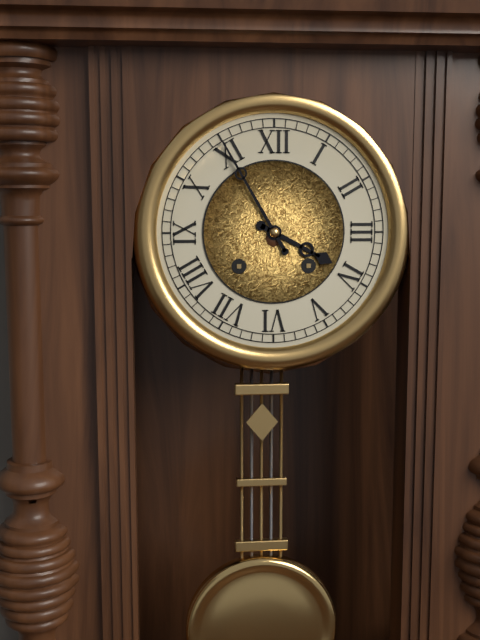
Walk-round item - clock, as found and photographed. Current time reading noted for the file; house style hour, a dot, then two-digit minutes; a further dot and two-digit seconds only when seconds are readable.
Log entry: 3.55
